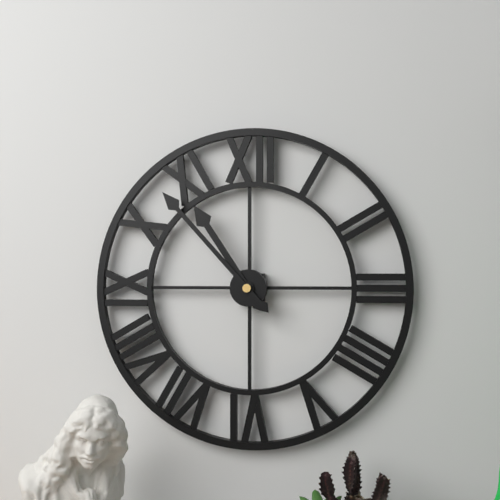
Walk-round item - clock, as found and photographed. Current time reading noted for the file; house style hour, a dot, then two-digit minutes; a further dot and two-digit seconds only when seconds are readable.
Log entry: 10.53
